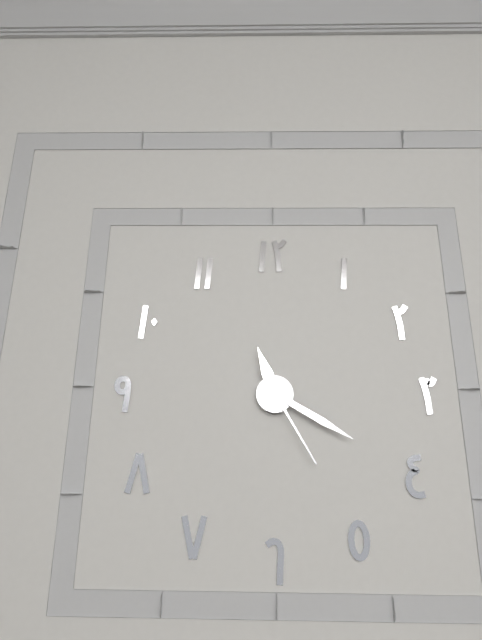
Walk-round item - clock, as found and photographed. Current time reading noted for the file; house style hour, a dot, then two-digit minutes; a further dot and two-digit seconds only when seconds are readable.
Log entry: 11.20.25
